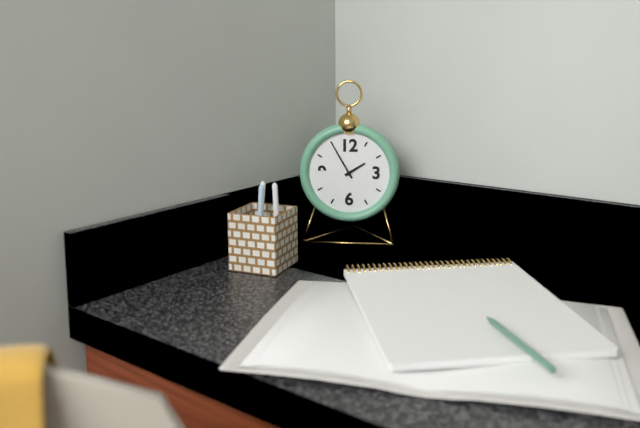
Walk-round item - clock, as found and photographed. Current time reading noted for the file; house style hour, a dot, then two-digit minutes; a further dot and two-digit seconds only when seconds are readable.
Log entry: 1.55
